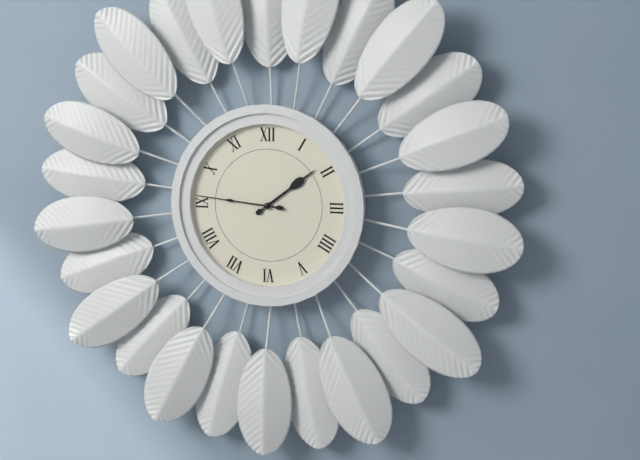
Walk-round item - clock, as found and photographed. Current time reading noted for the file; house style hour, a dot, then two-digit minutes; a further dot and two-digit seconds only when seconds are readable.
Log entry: 1.46
